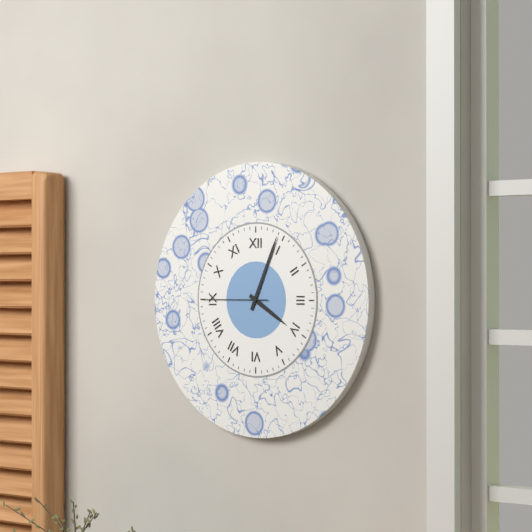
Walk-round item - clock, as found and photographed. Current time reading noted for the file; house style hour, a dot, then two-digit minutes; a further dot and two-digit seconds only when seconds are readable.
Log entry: 4.04.45
